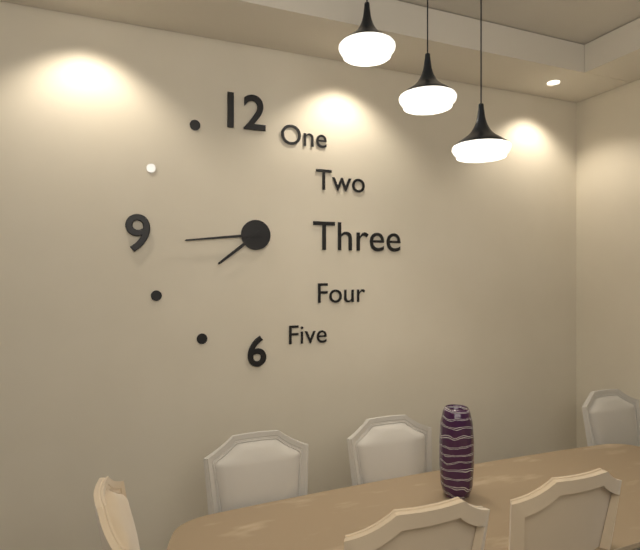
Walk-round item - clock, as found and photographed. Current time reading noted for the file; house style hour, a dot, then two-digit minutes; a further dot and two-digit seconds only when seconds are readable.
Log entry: 7.44
